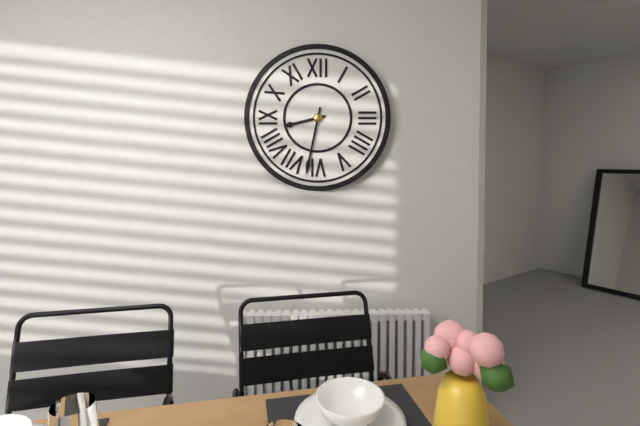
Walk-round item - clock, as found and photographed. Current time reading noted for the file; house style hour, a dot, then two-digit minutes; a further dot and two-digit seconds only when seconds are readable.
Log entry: 8.32
